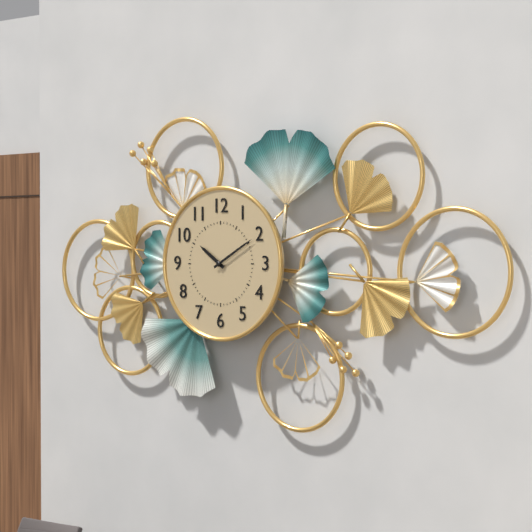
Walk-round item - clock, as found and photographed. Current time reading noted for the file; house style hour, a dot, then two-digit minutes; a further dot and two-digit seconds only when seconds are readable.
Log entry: 10.10
